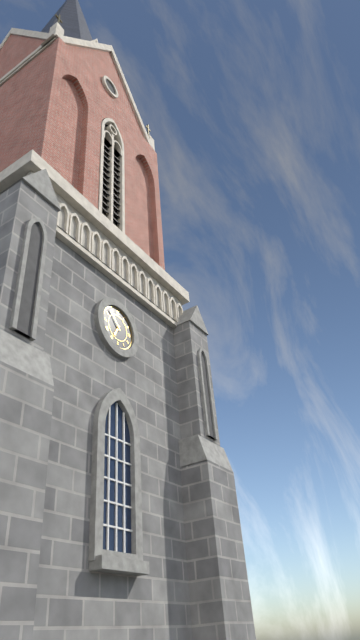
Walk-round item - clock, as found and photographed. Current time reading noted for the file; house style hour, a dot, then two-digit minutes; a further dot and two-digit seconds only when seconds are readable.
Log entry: 6.53
